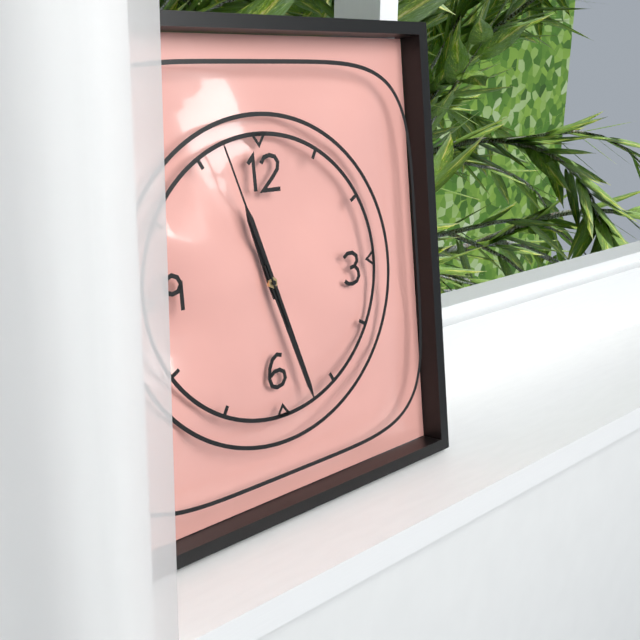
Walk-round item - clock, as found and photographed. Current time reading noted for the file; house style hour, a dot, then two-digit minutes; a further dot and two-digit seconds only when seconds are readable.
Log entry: 11.27.57
